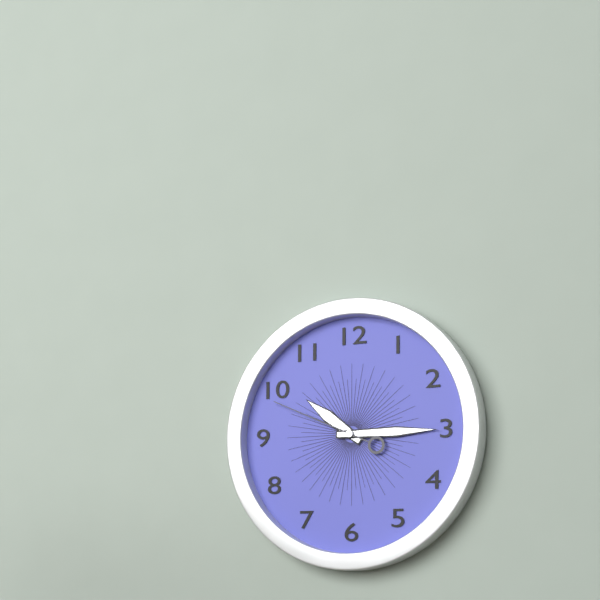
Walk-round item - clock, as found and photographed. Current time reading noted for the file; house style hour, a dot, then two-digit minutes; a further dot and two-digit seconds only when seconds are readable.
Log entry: 10.15.49
